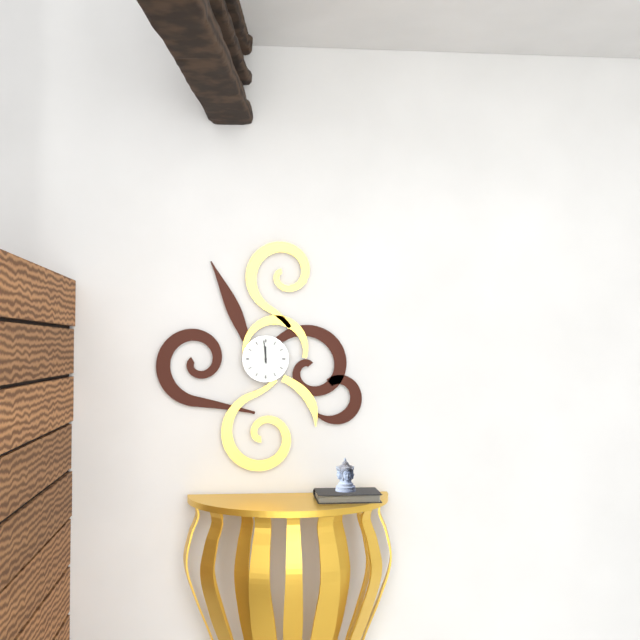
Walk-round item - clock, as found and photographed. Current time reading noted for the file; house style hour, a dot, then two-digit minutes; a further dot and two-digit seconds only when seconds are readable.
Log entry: 11.59
